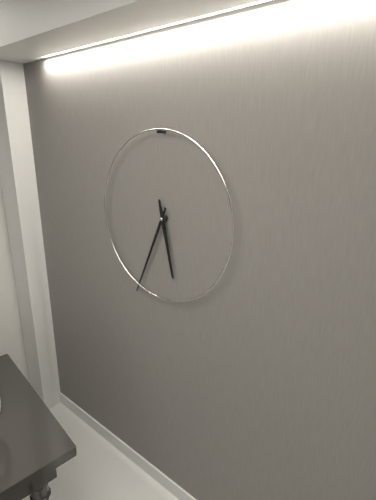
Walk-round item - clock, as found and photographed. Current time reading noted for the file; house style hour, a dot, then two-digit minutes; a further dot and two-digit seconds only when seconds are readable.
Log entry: 5.34
